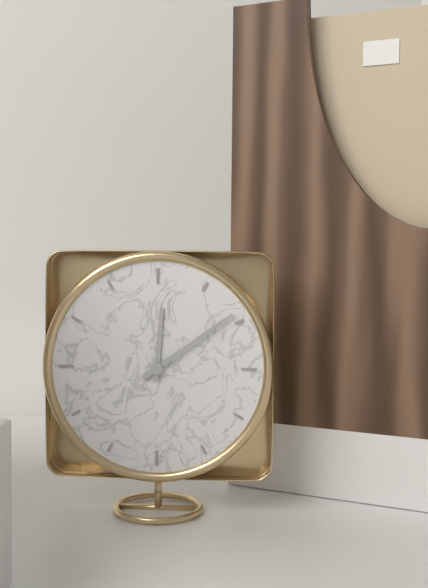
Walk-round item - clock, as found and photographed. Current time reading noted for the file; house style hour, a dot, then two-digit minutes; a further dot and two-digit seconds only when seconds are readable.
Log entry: 12.09
